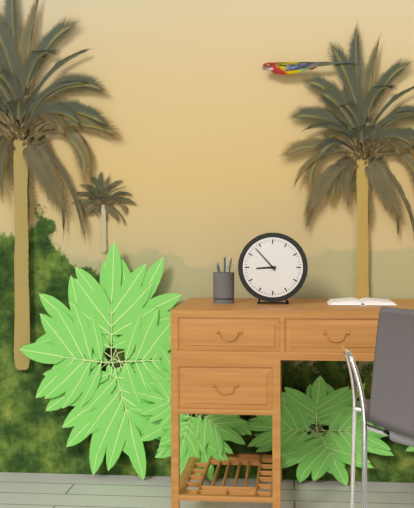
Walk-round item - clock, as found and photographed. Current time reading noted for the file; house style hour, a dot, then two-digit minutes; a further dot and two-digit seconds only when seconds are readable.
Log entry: 8.53
